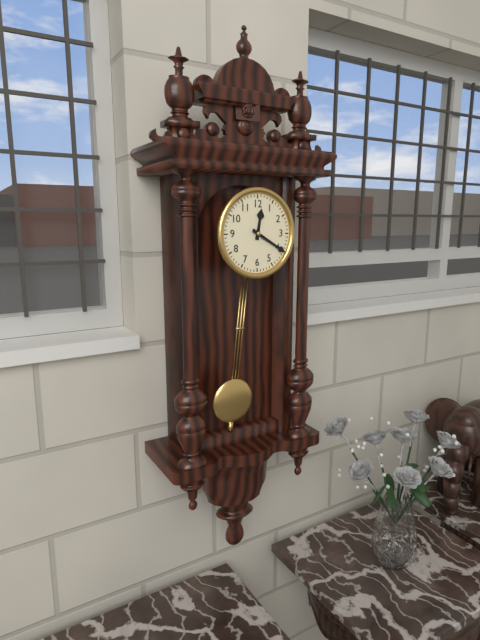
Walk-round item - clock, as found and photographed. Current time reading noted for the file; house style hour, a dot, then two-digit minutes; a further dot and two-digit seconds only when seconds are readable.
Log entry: 12.20
